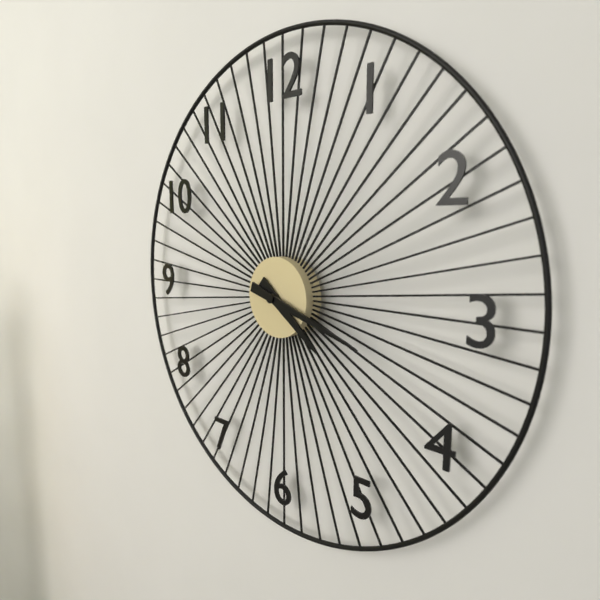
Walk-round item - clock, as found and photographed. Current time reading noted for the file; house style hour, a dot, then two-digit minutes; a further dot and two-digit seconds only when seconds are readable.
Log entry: 4.18
